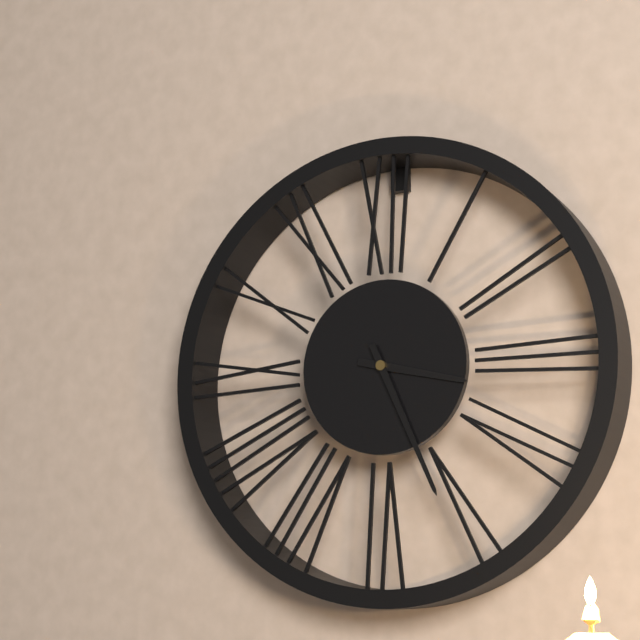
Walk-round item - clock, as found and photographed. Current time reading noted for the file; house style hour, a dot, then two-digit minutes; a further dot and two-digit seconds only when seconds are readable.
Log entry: 3.26
